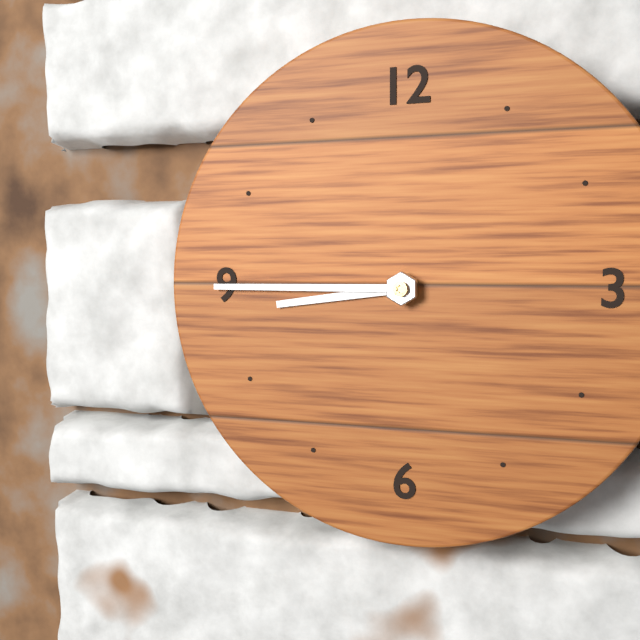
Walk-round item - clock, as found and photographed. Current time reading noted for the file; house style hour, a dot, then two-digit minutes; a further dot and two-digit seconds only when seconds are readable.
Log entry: 8.45
